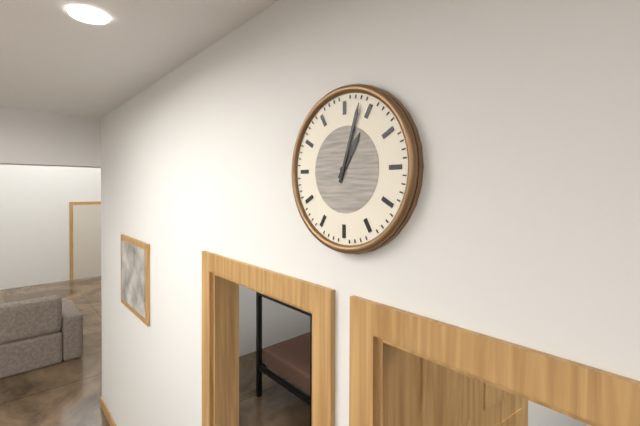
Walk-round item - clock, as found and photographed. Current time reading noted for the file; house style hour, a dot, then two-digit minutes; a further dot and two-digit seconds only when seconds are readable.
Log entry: 1.03
